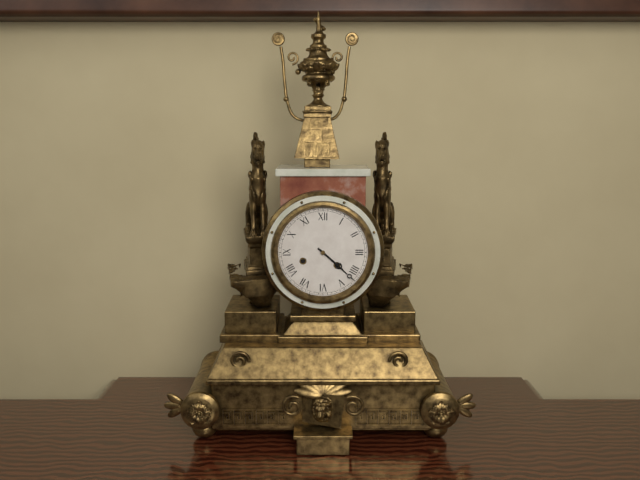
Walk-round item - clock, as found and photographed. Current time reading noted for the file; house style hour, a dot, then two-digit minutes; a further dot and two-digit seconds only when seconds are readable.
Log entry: 4.22
